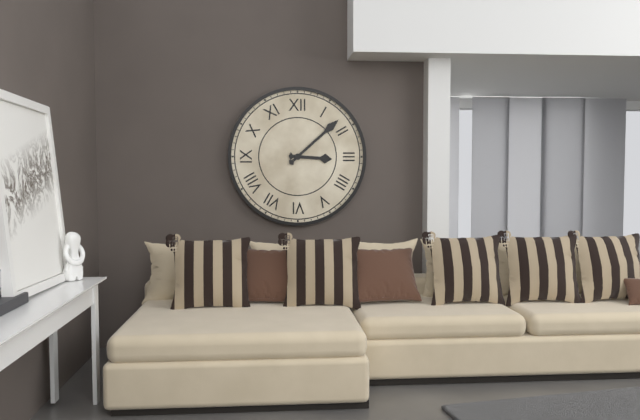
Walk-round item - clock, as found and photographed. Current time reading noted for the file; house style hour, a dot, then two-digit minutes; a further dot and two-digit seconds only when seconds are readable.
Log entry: 3.08
